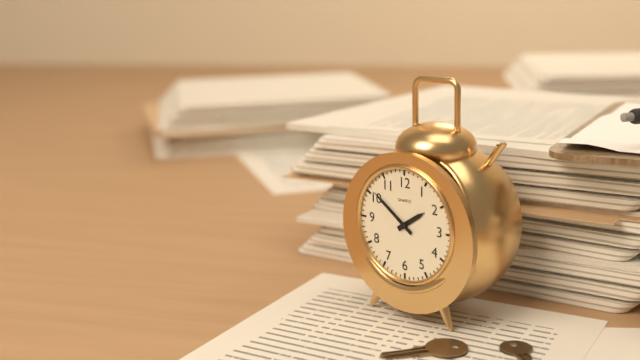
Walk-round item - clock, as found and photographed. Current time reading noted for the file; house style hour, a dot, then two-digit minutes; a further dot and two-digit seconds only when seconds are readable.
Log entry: 1.51
